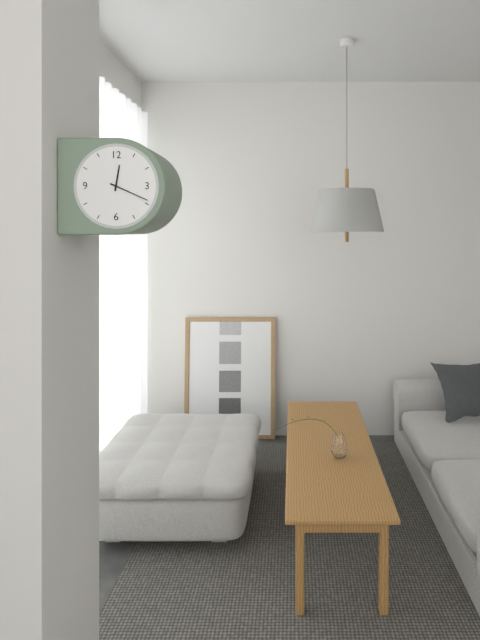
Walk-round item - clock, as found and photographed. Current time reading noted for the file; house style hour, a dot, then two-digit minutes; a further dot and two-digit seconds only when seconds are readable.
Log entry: 12.19
